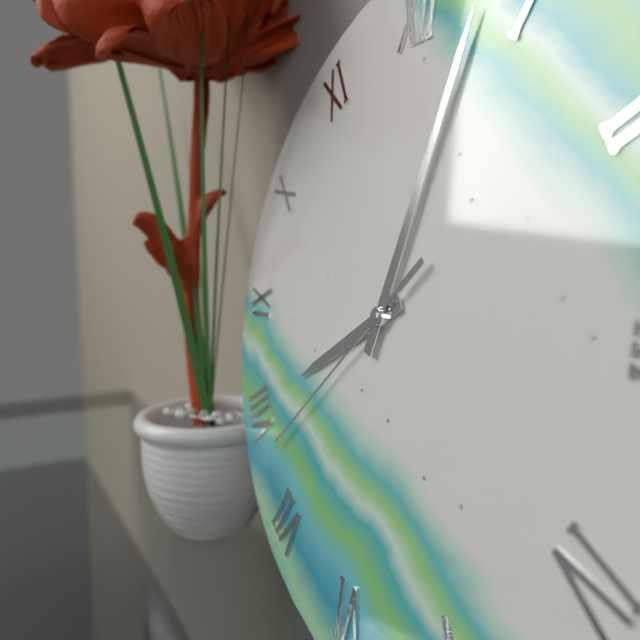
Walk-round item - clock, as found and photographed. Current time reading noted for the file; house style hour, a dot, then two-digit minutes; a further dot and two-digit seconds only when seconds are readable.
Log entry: 8.03.38
